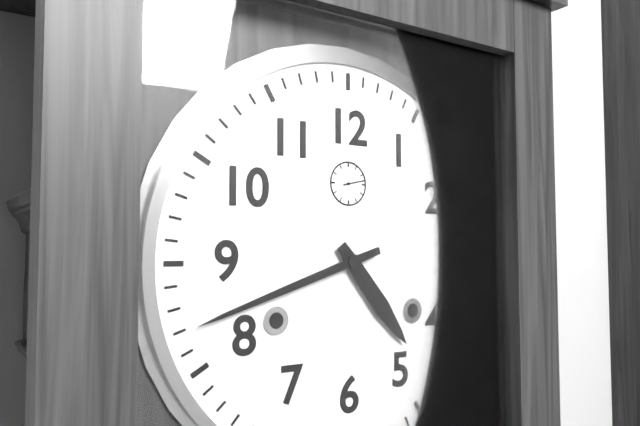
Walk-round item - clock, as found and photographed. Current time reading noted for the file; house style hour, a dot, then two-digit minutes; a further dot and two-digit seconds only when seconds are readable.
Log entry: 4.42
